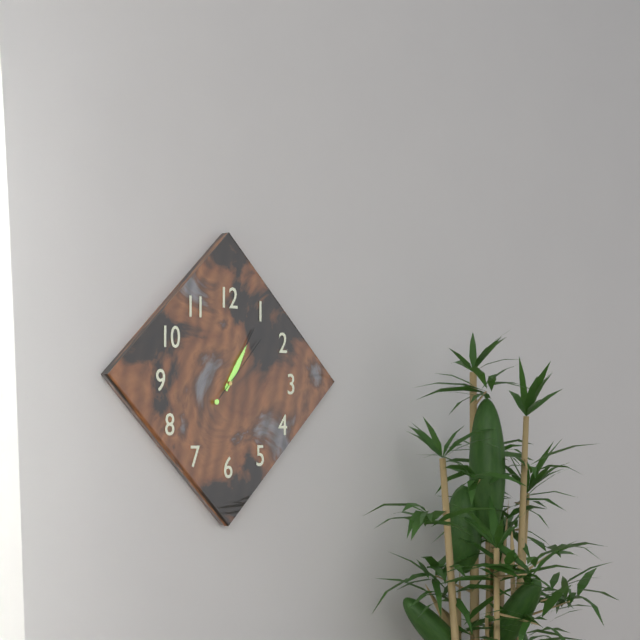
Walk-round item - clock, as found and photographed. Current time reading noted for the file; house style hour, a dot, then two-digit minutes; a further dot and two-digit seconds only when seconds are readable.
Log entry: 1.05.07
